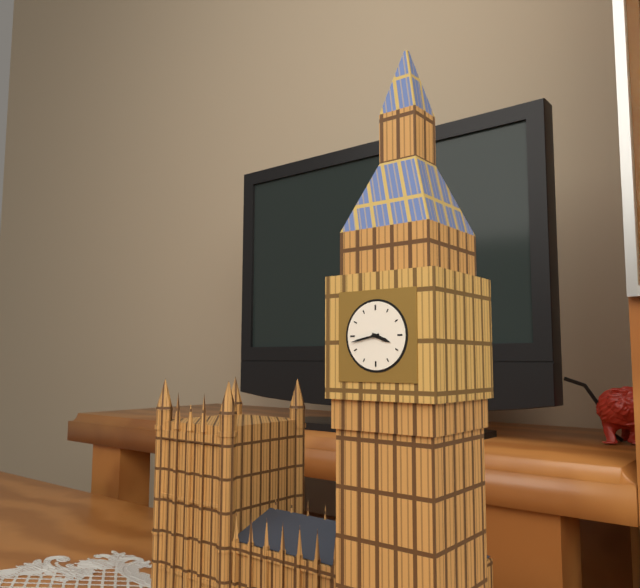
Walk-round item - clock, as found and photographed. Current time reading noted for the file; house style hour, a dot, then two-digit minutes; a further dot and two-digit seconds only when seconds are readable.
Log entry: 3.43
